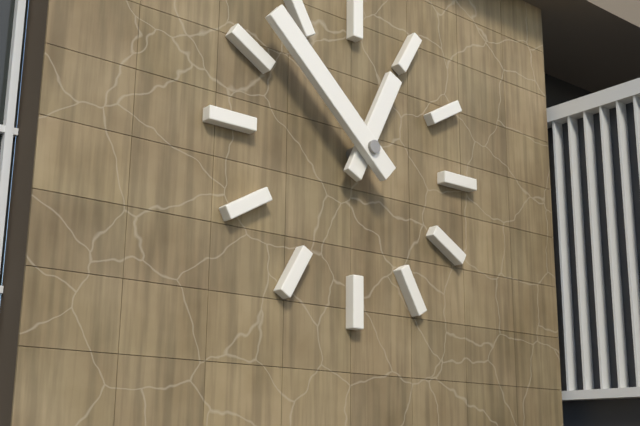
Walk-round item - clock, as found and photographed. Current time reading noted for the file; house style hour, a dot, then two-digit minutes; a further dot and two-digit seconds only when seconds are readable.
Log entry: 12.52
